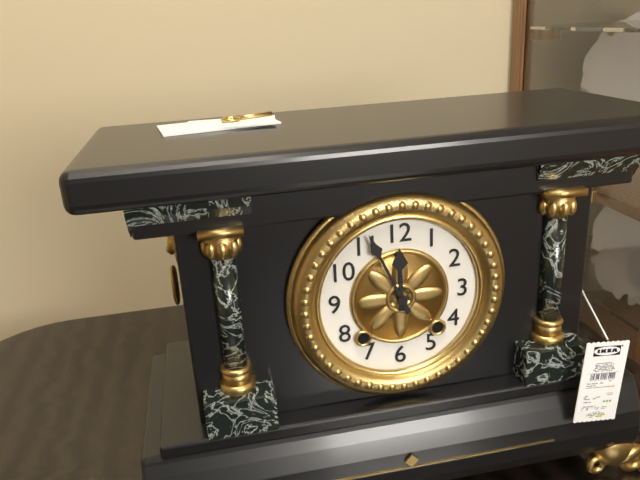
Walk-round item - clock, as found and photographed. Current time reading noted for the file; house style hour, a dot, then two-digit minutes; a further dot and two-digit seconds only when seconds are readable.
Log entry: 11.56
